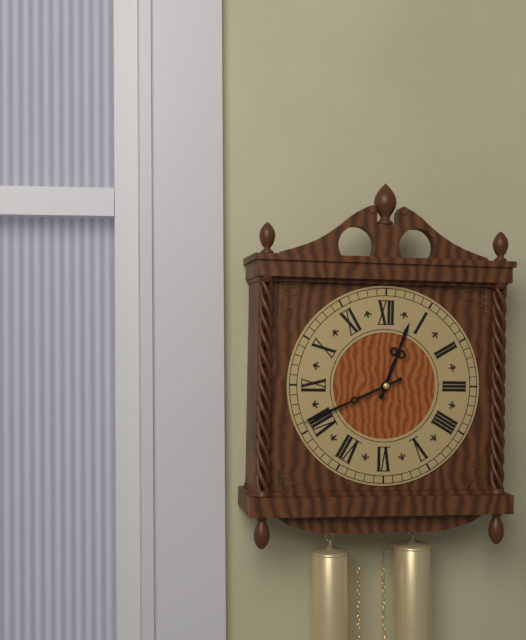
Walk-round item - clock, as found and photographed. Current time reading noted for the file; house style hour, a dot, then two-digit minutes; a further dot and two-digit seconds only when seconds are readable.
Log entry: 12.41
